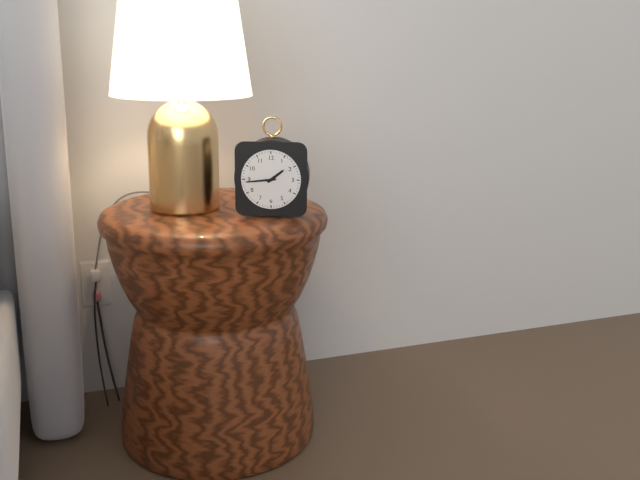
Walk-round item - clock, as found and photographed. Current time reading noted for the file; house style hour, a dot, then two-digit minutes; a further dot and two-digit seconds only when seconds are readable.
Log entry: 1.44
